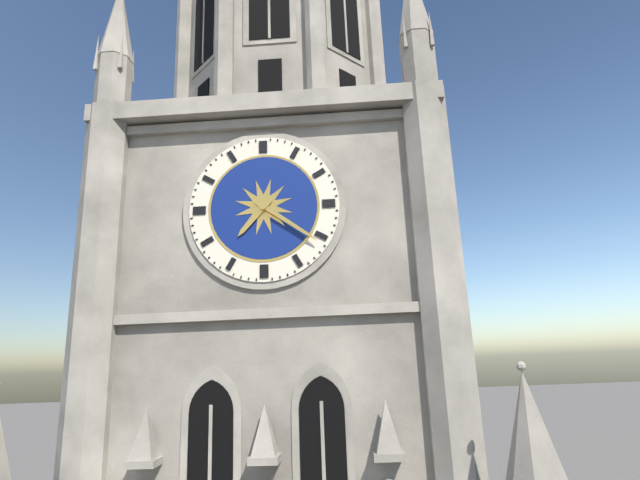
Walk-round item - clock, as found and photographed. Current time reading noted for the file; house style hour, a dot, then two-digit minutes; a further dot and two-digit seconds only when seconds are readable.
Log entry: 7.21
